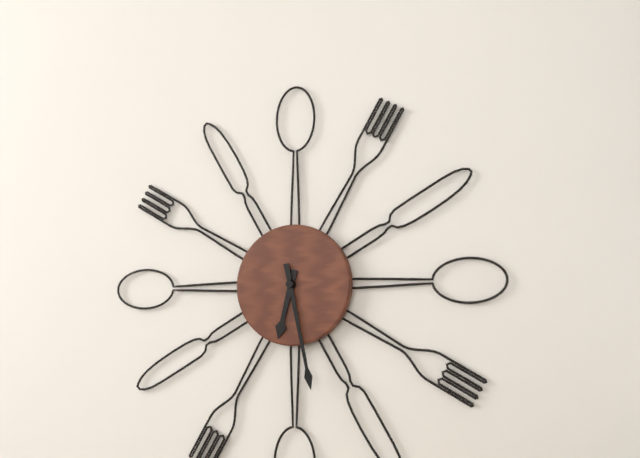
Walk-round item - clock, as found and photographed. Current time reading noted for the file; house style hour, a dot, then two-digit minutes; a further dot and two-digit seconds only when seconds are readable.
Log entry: 6.28
